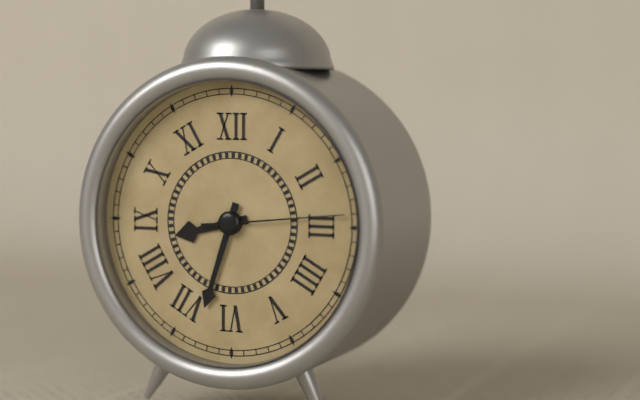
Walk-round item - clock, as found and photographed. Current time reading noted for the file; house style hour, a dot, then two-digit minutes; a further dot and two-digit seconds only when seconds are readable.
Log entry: 8.33.14
